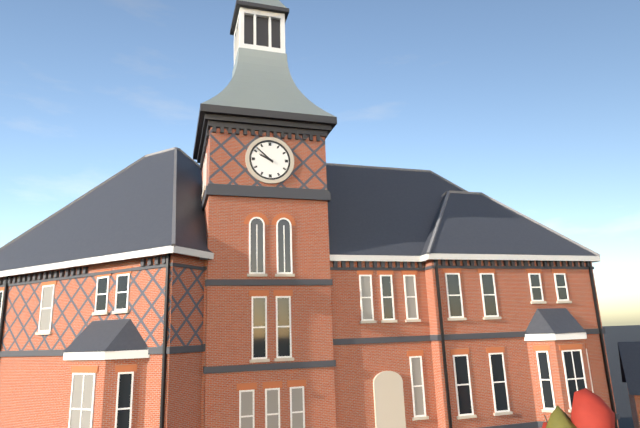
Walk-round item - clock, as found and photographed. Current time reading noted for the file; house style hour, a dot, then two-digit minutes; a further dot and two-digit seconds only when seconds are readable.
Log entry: 9.52
